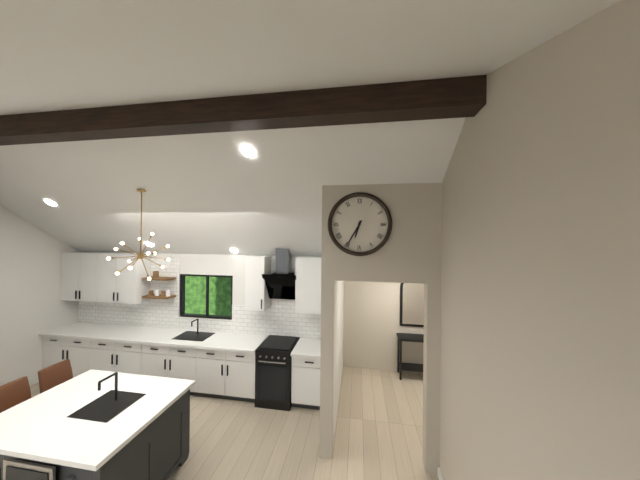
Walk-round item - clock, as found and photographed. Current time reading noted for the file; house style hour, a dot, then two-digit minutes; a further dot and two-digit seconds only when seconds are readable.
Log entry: 6.35
